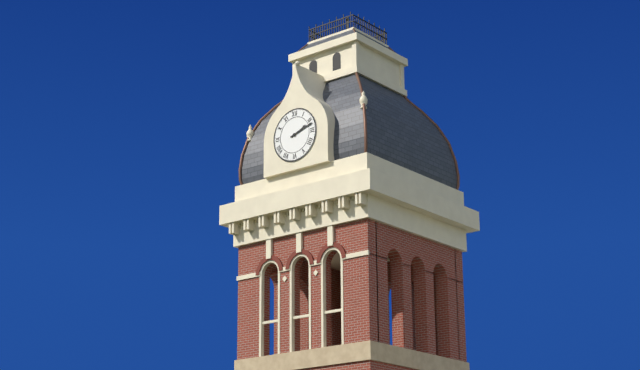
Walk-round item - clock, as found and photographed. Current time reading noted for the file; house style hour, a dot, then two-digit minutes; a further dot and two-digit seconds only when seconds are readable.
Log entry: 2.12
